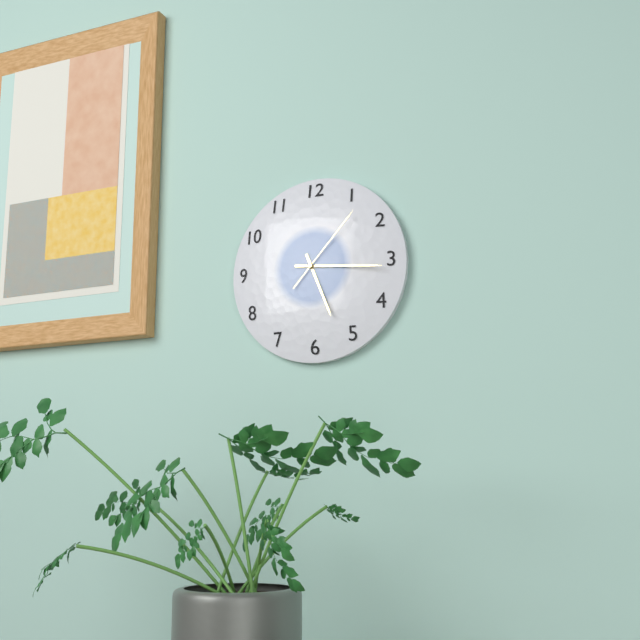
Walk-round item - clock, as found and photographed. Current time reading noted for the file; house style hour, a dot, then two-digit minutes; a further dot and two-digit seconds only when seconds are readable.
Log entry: 5.16.07
